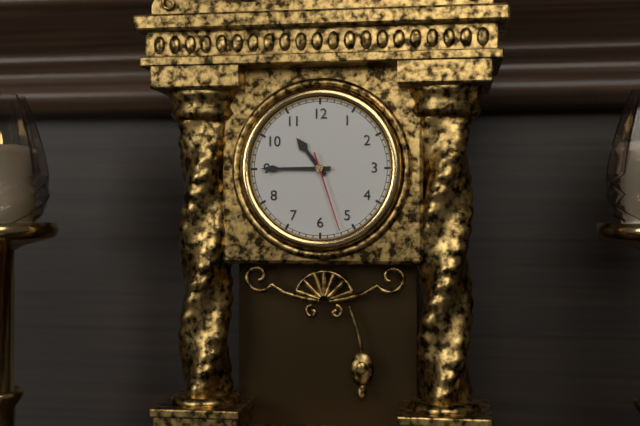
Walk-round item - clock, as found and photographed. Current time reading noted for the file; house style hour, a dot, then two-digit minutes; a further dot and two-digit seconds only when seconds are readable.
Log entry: 10.45.27
